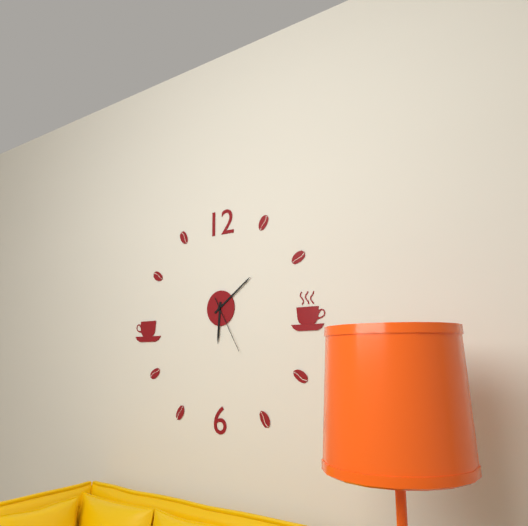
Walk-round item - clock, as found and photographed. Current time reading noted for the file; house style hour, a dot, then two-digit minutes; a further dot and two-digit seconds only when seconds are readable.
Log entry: 6.09.25
